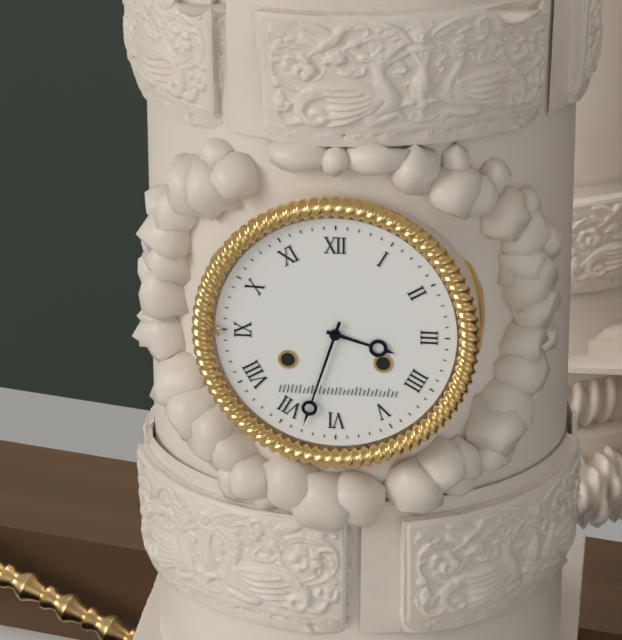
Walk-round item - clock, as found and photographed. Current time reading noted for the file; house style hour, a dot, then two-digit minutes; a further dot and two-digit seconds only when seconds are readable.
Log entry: 3.33
